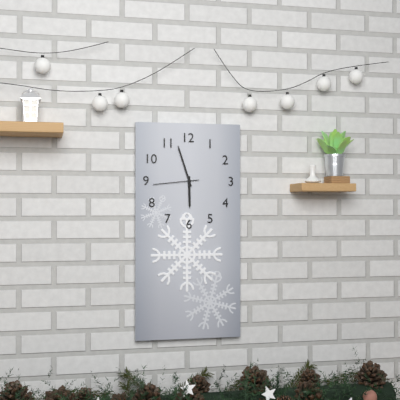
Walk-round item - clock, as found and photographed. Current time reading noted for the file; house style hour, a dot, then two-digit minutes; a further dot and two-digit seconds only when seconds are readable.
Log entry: 5.57
